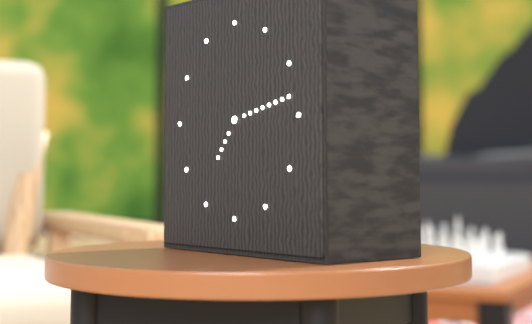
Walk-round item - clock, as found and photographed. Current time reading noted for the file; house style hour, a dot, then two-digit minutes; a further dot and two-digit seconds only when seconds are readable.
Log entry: 7.13
